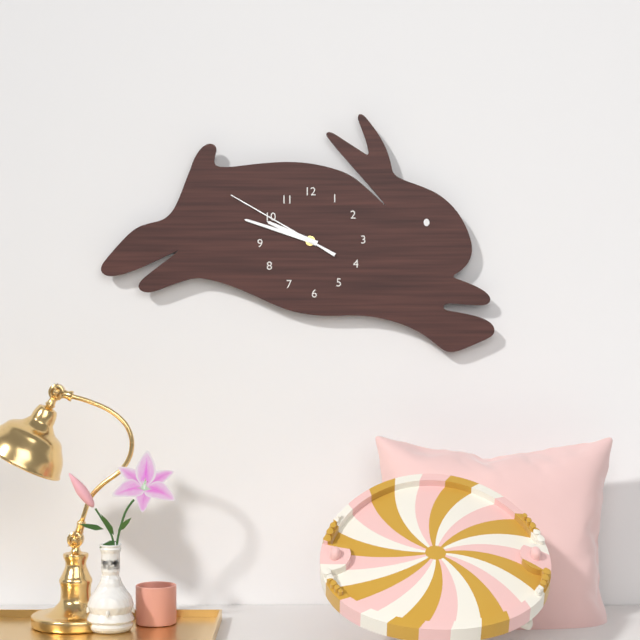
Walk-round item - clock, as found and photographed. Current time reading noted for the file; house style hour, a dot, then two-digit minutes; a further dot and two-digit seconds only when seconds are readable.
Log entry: 9.48.50
